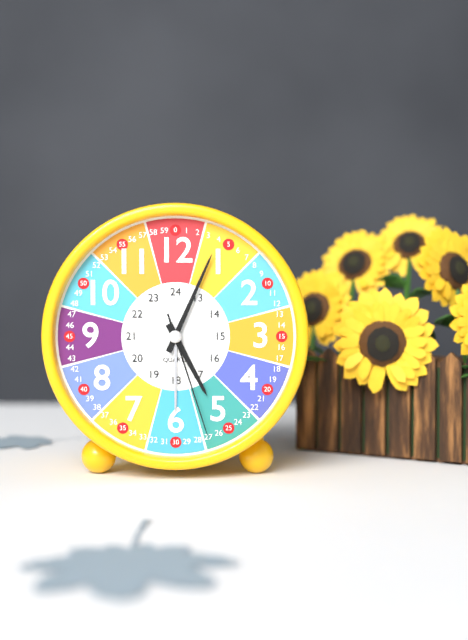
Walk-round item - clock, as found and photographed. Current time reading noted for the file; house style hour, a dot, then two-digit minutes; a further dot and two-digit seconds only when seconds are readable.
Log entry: 5.04.27
